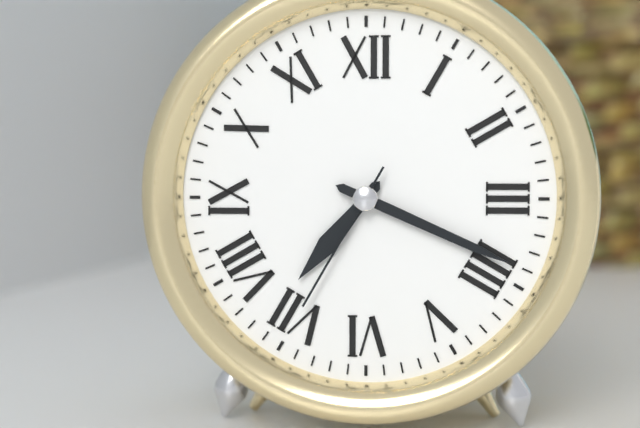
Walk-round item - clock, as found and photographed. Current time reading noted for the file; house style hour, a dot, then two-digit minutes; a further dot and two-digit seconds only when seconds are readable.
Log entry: 7.19.35
